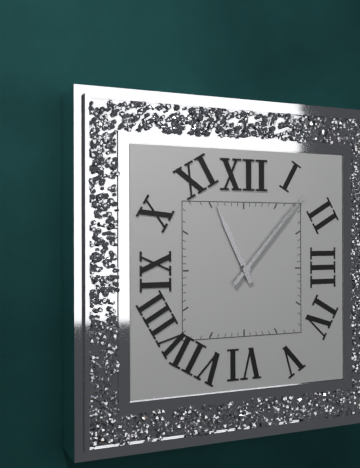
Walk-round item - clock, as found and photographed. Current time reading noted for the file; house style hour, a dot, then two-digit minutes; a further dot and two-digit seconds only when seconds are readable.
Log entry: 11.07
